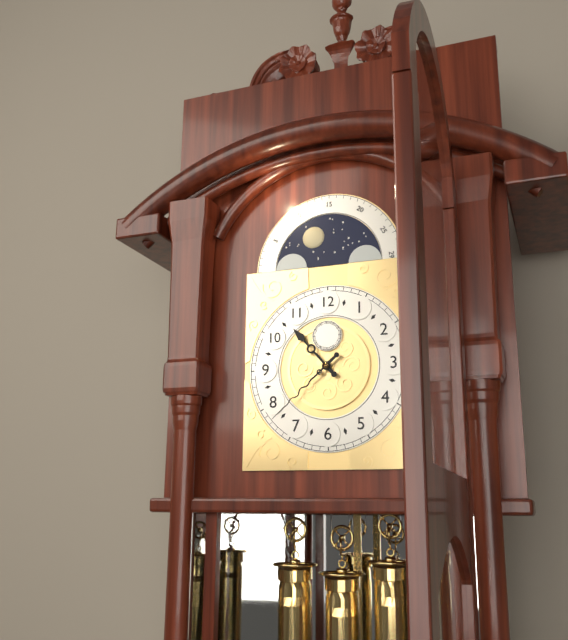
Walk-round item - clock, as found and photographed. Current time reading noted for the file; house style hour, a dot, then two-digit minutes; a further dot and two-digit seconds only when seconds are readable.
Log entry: 10.38
